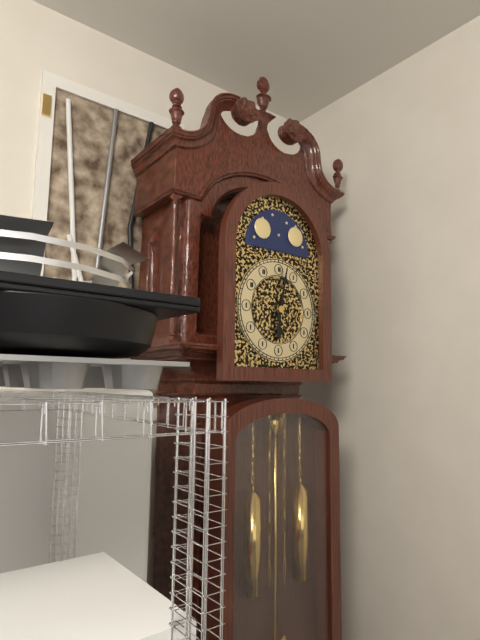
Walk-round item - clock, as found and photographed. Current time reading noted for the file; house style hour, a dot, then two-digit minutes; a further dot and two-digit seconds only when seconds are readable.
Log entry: 6.02
